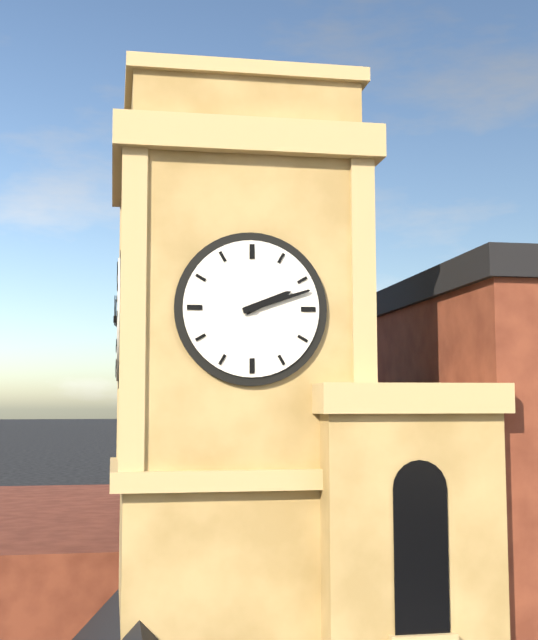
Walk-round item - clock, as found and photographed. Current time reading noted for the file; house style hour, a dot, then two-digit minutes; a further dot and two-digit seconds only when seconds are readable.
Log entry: 2.12
